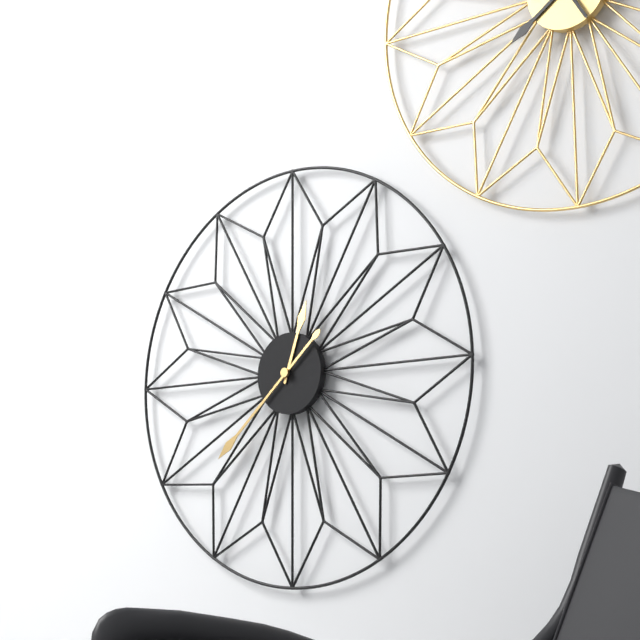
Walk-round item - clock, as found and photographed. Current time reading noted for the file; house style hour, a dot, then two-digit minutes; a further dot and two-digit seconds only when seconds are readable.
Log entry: 12.38
